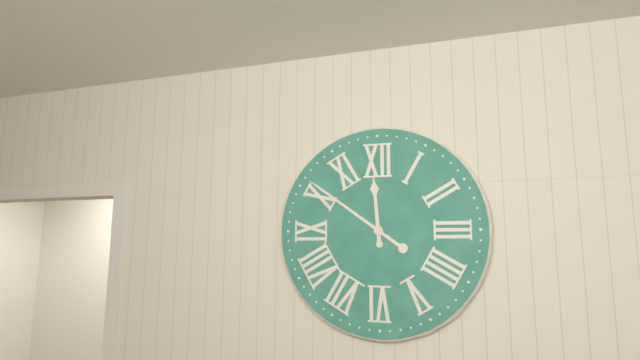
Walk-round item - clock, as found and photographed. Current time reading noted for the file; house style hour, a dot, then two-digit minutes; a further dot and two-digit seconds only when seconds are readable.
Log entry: 11.51
